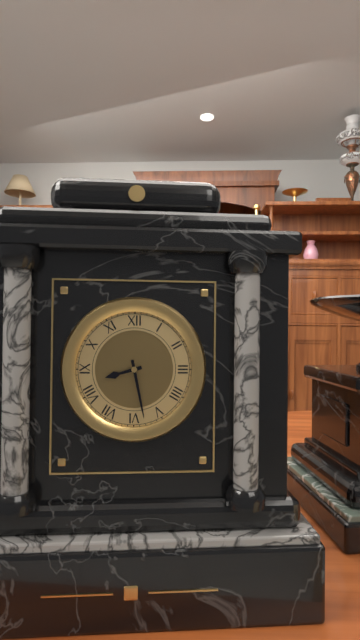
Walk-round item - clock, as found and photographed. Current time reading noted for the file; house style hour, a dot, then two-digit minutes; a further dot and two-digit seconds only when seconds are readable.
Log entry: 8.28
